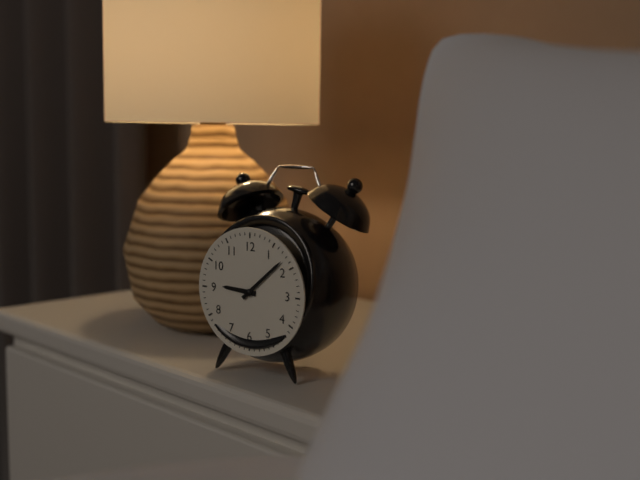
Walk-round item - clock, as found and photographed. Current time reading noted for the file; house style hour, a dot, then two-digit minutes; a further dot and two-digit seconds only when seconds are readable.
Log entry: 9.08
